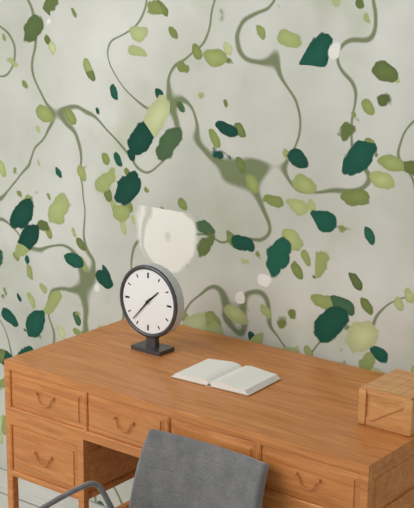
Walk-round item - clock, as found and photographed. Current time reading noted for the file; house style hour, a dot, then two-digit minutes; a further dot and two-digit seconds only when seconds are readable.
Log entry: 1.37
